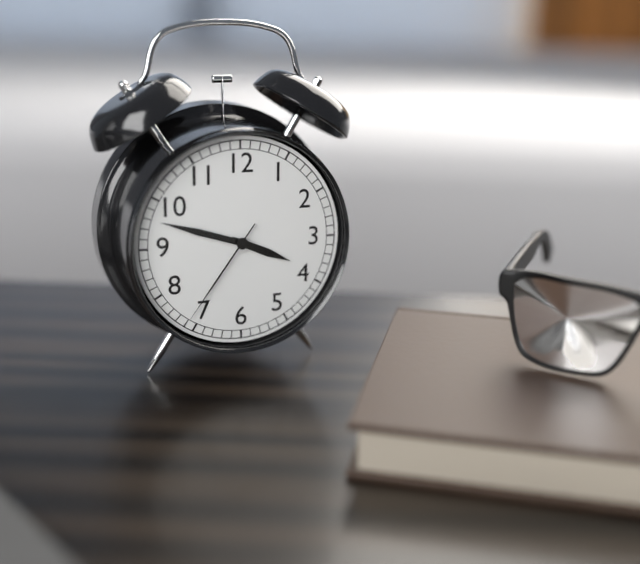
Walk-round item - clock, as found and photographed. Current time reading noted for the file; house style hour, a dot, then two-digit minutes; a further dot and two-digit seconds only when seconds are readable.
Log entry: 3.48.36
